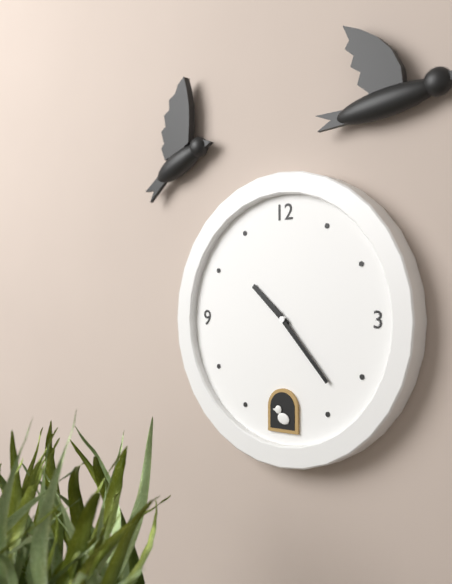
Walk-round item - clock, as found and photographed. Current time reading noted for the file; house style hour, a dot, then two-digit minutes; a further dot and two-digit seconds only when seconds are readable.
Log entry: 10.23
